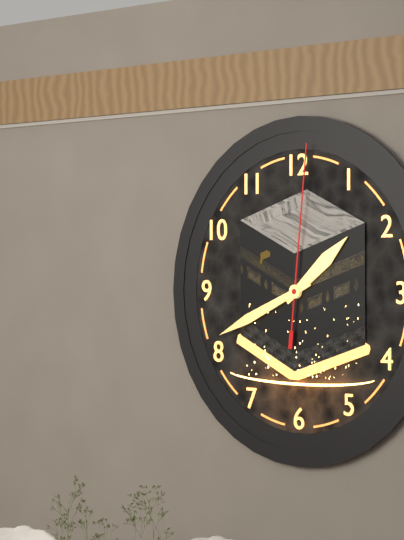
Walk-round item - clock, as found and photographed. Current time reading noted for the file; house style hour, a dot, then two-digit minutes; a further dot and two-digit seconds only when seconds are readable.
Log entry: 1.41.01
